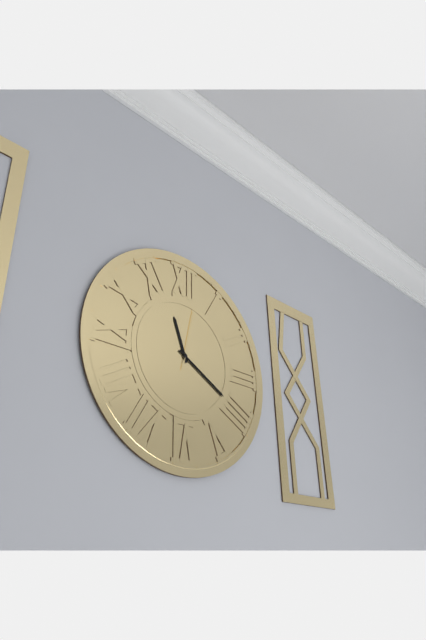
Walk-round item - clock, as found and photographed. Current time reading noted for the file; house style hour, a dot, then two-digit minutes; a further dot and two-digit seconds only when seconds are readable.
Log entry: 11.20.02
